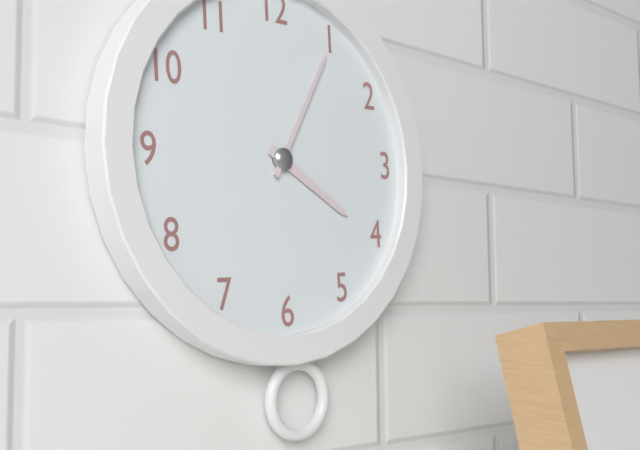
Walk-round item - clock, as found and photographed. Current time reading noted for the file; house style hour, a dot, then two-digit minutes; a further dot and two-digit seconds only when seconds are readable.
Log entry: 4.05
